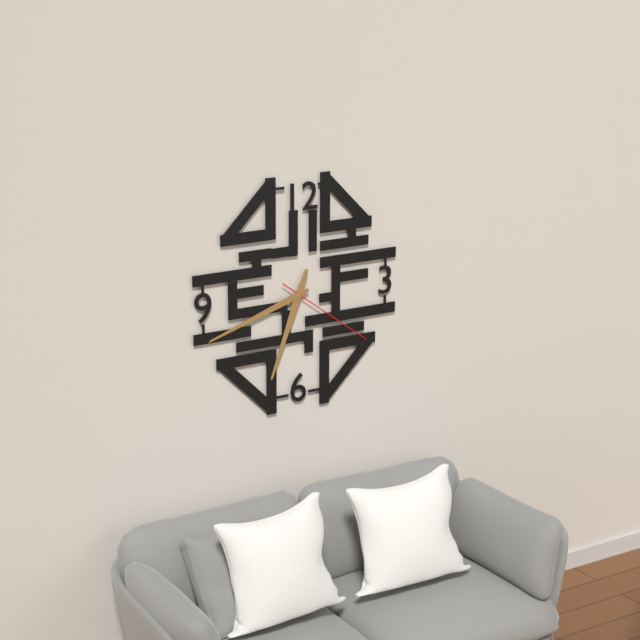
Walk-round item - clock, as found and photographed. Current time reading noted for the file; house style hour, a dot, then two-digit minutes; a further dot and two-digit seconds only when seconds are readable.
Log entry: 6.42.21
